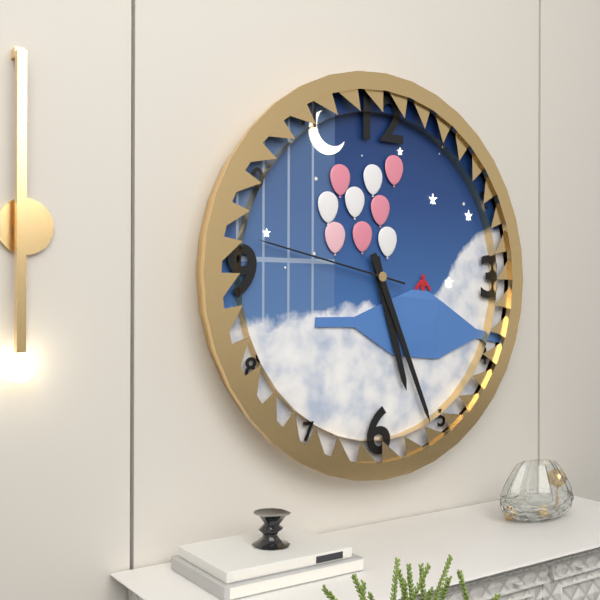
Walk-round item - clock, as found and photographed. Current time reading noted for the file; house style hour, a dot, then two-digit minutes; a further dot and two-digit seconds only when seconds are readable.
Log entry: 5.26.47
